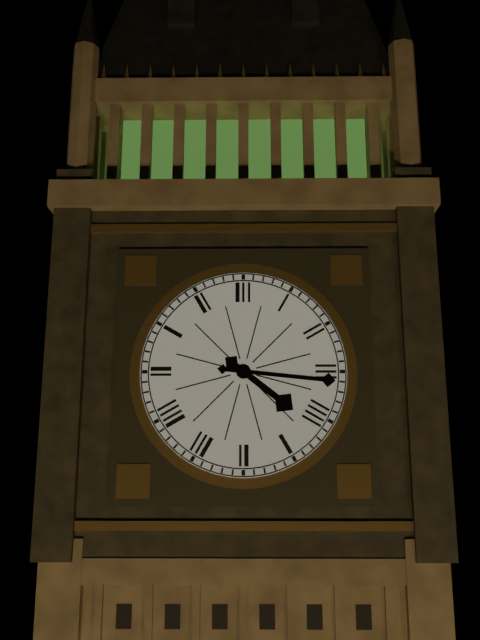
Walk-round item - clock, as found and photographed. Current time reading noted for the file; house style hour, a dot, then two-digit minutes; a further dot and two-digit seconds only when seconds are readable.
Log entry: 4.16
